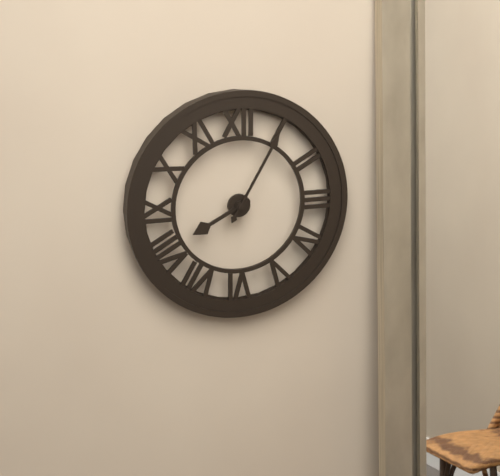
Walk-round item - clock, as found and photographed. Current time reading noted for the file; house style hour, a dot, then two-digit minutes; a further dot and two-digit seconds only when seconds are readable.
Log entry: 8.05
